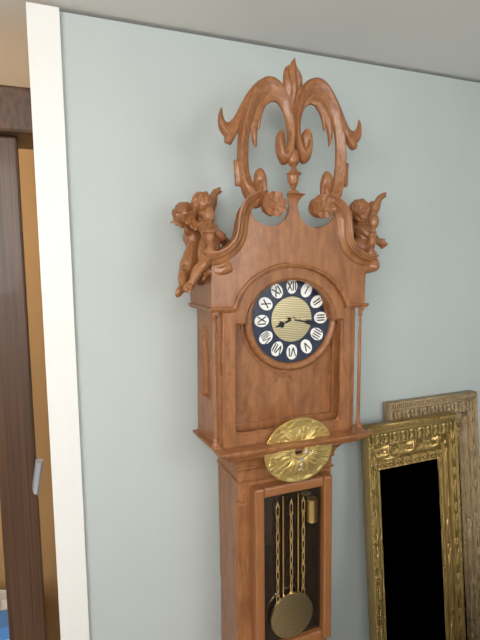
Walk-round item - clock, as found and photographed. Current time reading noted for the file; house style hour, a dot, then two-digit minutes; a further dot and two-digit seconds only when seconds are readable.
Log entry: 8.17
